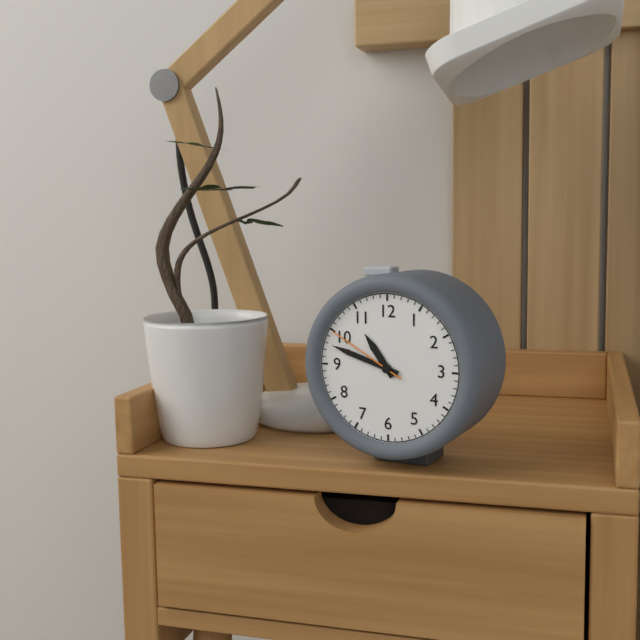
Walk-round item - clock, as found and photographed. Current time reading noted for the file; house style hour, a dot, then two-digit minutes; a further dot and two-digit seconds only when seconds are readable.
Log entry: 10.48.50
